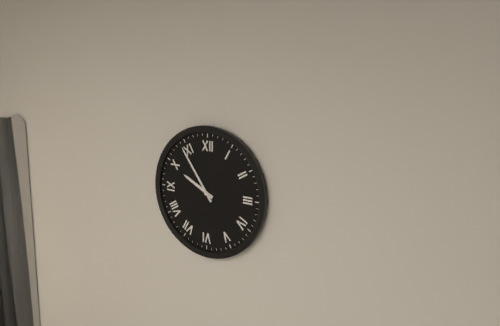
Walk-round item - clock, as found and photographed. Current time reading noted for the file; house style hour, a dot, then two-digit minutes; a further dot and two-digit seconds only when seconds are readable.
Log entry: 9.54
